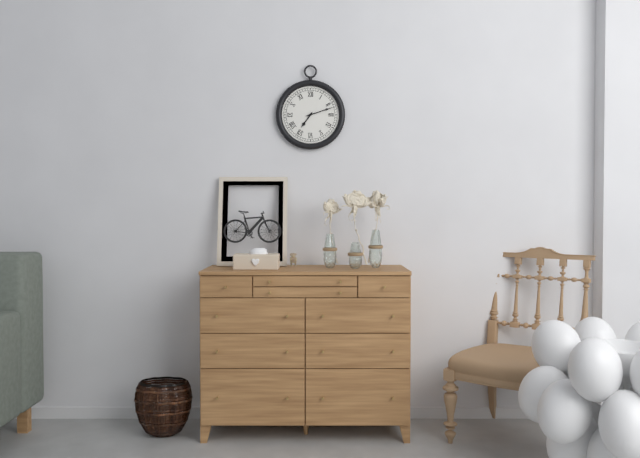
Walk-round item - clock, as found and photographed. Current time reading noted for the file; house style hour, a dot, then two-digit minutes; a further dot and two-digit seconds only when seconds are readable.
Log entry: 7.12
